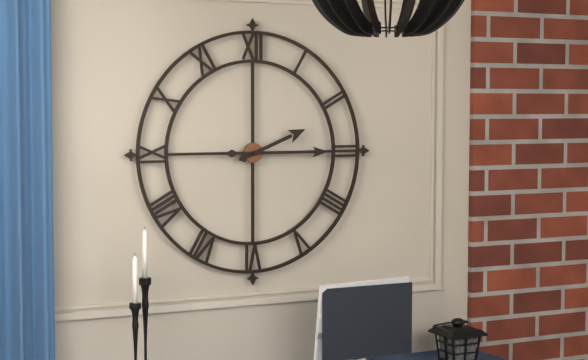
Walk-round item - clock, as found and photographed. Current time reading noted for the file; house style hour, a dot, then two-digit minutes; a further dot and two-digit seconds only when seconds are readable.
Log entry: 2.15
